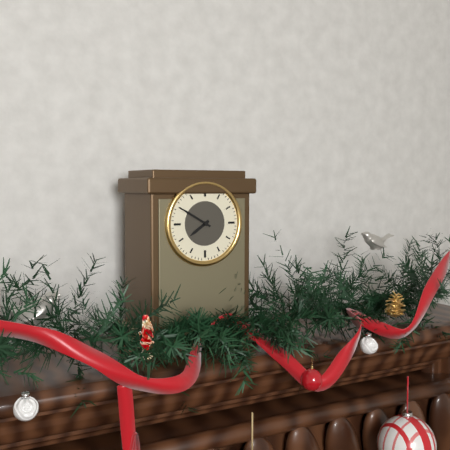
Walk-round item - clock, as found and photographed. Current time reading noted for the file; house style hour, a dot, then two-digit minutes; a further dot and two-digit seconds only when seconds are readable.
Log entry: 7.50
